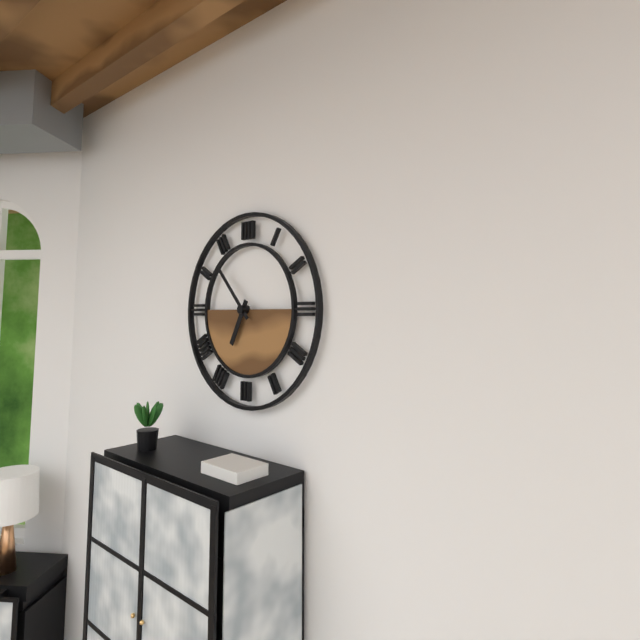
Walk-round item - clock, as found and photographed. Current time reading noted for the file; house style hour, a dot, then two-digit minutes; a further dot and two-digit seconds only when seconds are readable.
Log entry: 6.53
